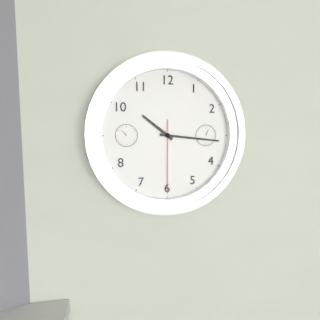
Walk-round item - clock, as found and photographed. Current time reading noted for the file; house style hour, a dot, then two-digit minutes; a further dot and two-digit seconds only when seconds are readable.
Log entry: 10.16.30
